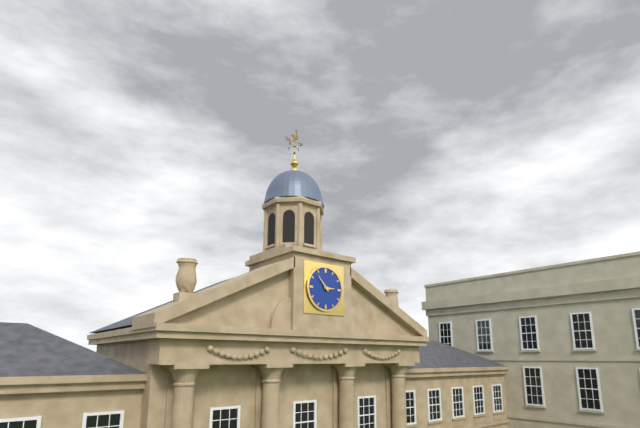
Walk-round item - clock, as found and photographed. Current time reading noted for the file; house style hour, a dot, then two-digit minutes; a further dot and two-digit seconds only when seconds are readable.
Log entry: 2.53
